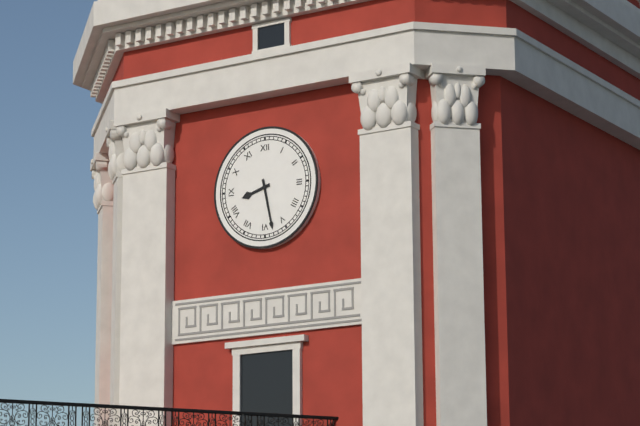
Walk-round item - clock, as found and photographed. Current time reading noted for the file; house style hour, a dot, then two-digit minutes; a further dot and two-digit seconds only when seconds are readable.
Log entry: 8.28
